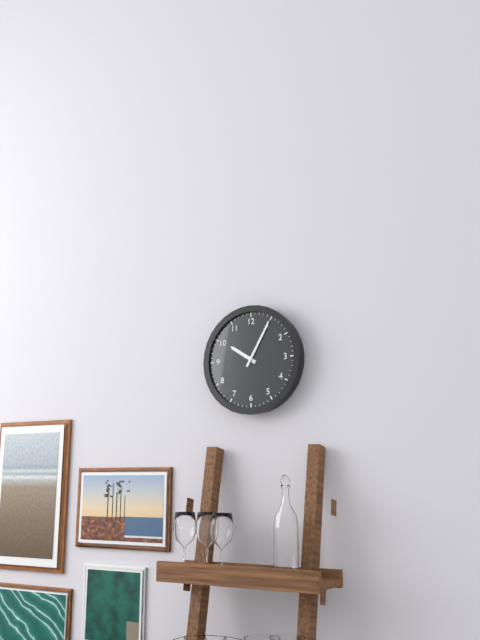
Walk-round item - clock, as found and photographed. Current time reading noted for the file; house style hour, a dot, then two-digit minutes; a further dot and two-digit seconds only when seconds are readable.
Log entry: 10.05
